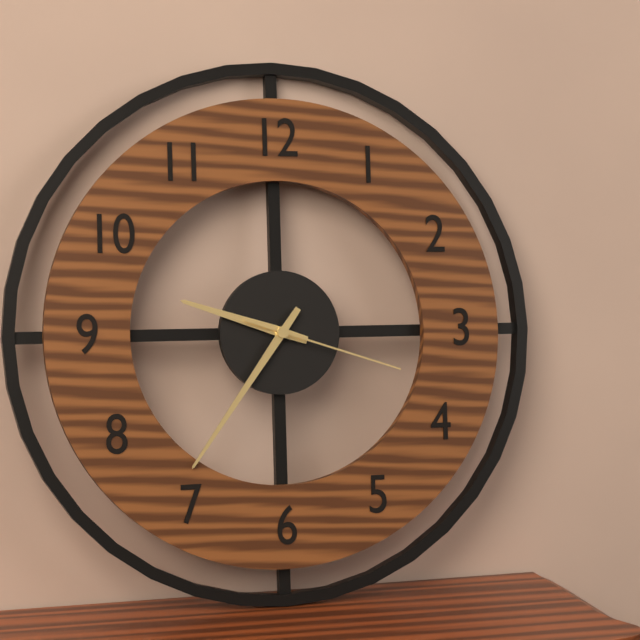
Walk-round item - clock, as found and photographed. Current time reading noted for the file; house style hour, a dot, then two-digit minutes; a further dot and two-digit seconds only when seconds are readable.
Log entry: 9.36.18
